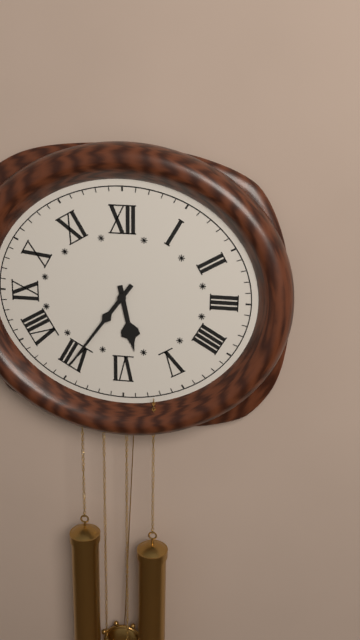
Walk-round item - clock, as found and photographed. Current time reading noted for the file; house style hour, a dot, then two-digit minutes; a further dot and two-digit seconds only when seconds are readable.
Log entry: 5.36
